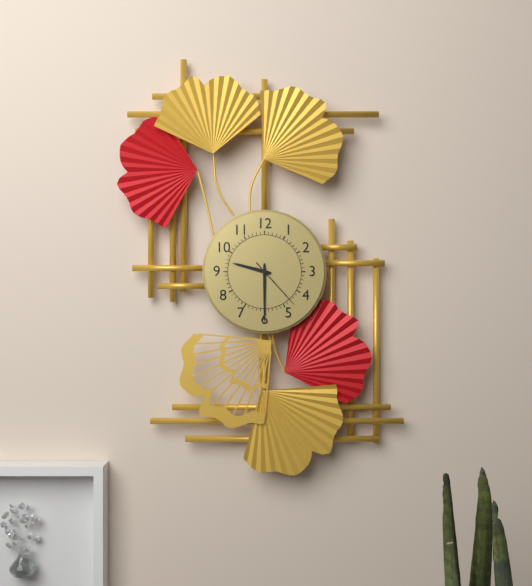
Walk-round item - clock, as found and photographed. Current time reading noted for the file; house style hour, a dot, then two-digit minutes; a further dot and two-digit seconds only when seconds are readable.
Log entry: 9.30.23
